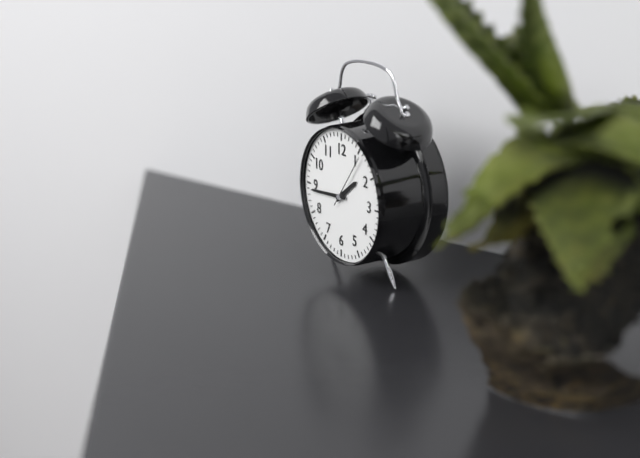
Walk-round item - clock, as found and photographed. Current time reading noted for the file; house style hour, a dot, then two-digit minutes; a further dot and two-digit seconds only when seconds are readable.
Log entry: 1.44.06
